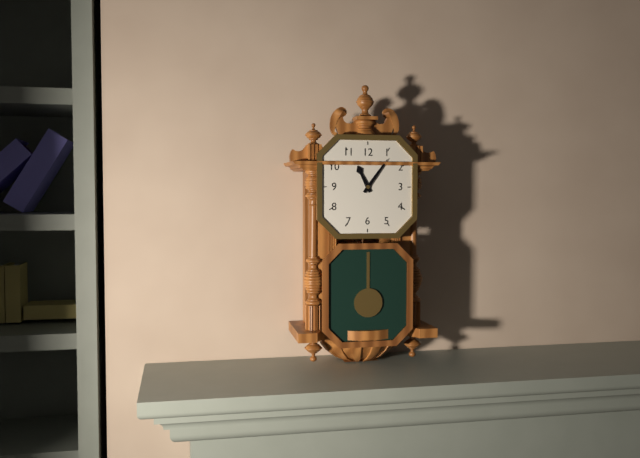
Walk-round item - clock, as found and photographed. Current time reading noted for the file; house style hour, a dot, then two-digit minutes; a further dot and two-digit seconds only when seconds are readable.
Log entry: 11.06
